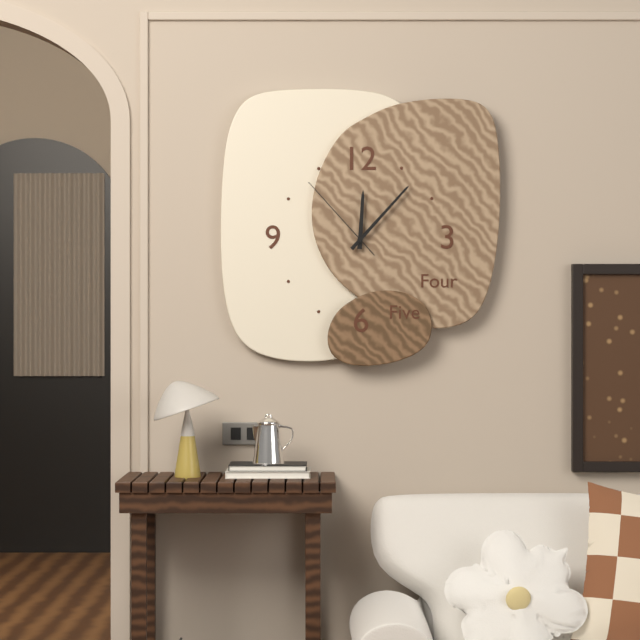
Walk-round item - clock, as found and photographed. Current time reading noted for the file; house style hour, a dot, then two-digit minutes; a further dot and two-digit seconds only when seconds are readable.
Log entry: 12.07.53
